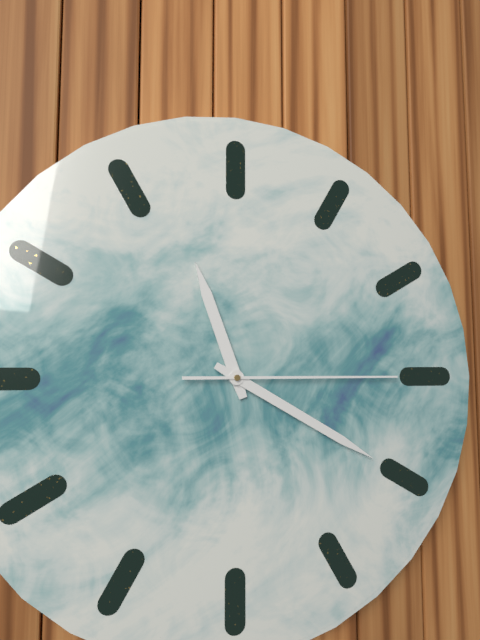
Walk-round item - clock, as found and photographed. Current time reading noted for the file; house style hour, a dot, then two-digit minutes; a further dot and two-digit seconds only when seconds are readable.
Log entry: 11.20.15
